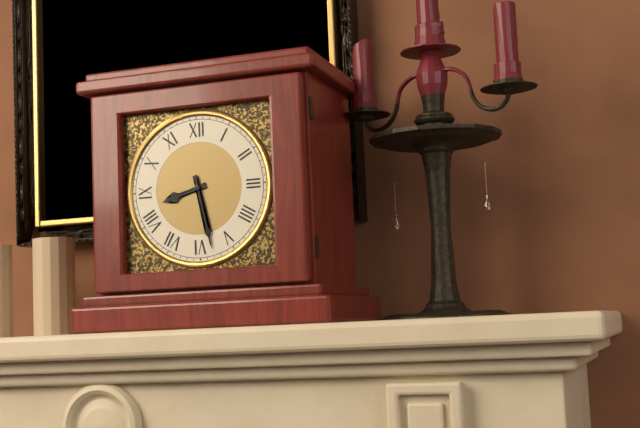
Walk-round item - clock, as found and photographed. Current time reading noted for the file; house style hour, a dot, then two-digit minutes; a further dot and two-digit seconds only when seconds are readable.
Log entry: 8.28
